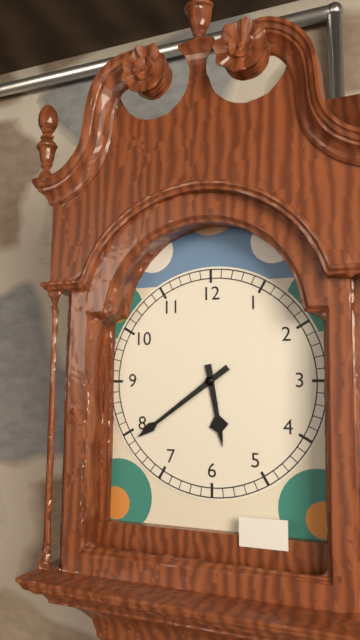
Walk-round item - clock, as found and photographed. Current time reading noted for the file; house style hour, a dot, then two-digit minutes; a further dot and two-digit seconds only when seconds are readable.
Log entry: 5.39
